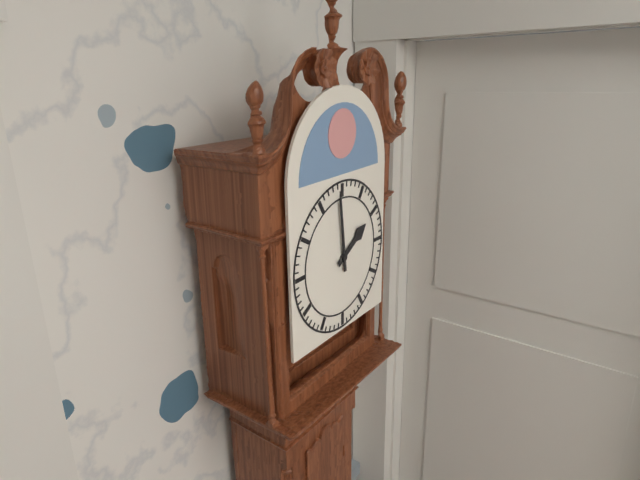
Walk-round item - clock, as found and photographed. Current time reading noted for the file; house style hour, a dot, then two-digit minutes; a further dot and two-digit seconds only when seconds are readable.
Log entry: 1.59
